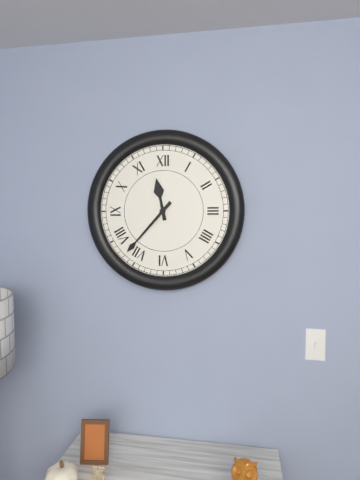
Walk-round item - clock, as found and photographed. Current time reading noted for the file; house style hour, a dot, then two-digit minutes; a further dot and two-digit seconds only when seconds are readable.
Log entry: 11.37
